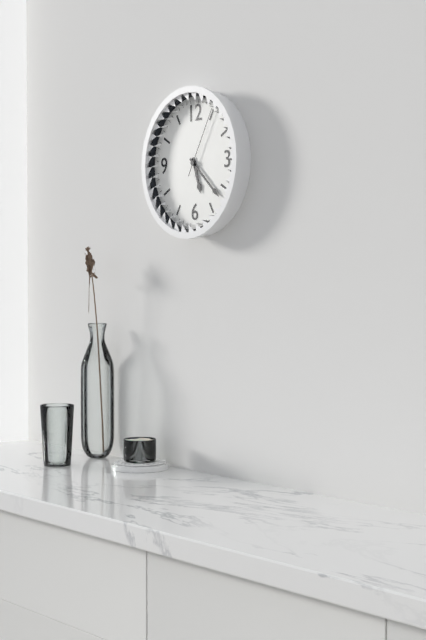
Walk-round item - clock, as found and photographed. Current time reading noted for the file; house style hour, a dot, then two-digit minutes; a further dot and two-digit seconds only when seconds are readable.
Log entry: 5.22.05
